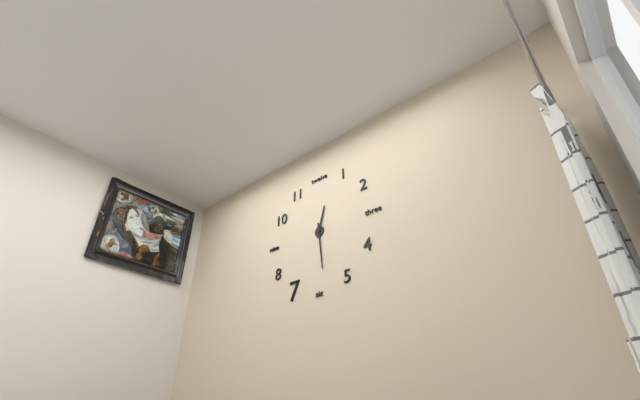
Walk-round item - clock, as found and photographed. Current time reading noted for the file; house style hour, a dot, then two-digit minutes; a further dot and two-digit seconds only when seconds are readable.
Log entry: 12.29
